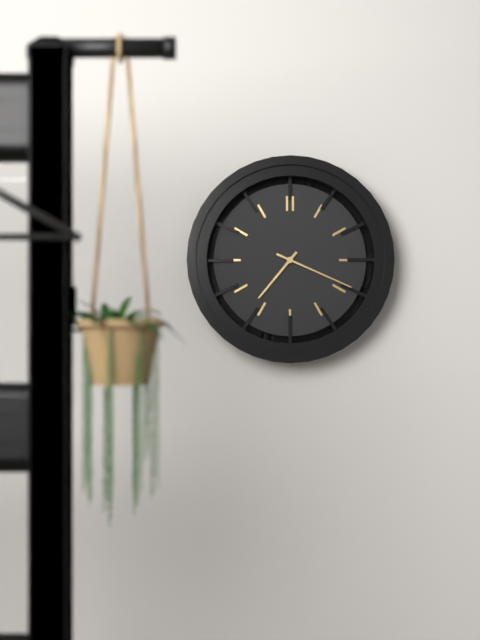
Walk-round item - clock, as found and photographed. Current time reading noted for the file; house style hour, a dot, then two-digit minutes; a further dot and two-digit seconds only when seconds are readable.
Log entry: 7.19
